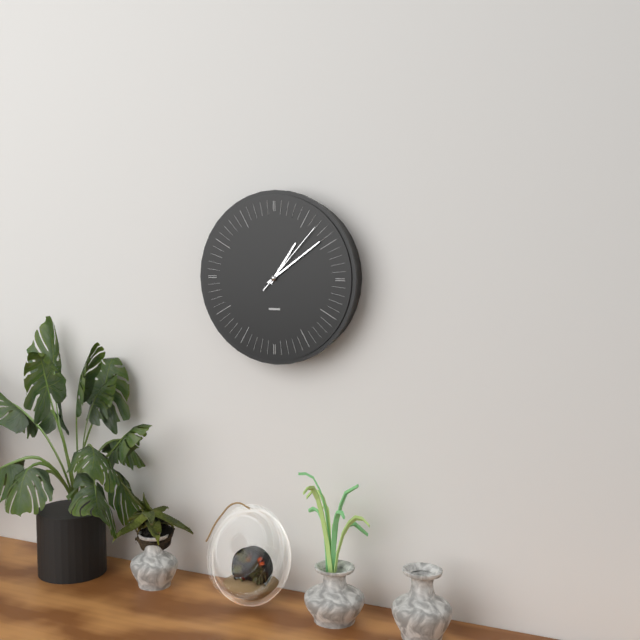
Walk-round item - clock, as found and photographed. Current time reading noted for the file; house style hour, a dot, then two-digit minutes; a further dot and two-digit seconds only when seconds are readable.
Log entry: 1.09.07
